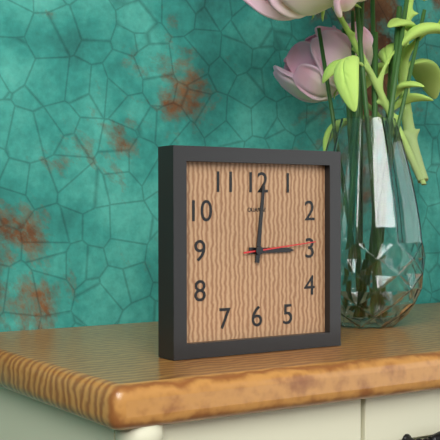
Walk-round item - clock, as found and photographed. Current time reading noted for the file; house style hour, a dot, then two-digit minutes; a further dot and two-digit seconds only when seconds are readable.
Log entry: 3.01.14
